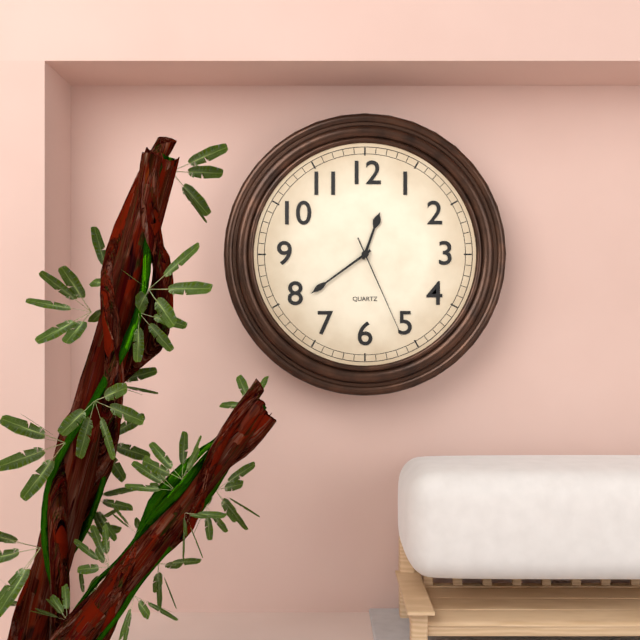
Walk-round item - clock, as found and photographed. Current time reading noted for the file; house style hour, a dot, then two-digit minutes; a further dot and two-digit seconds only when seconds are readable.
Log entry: 12.39.26
